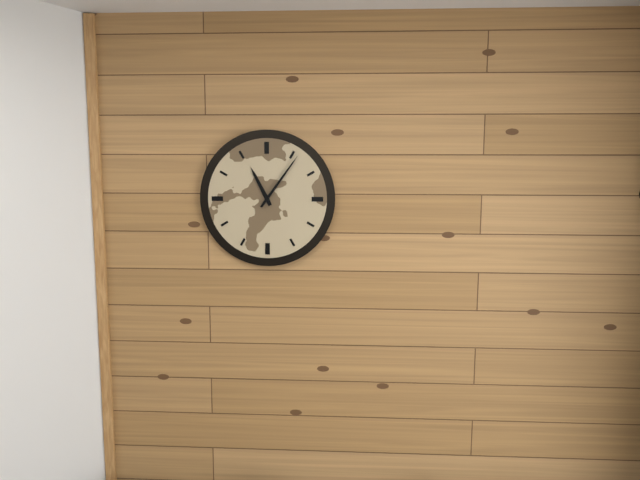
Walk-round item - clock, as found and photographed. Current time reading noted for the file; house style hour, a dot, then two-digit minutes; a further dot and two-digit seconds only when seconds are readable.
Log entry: 11.06
